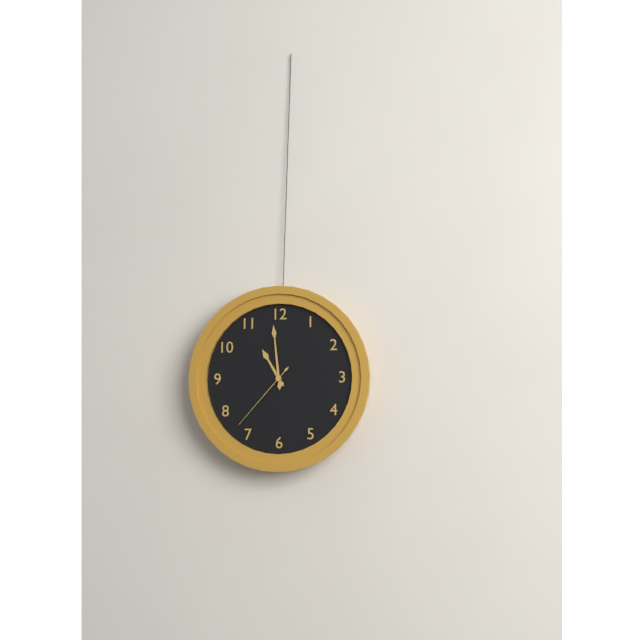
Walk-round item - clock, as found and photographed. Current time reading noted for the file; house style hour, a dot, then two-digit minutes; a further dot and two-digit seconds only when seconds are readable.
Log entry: 10.59.37
